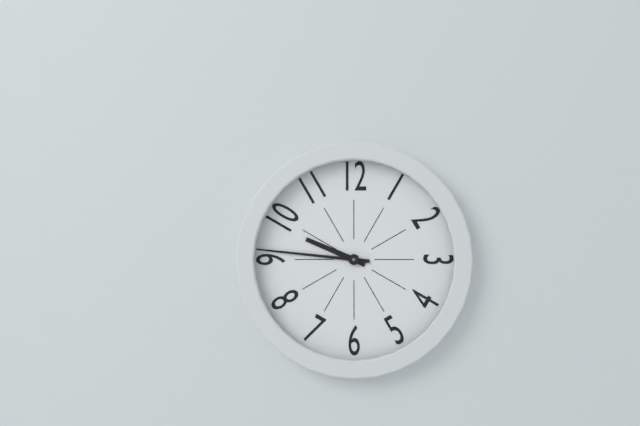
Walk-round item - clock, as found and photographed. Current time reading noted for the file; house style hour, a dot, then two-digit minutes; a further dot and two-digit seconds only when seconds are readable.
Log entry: 9.46
